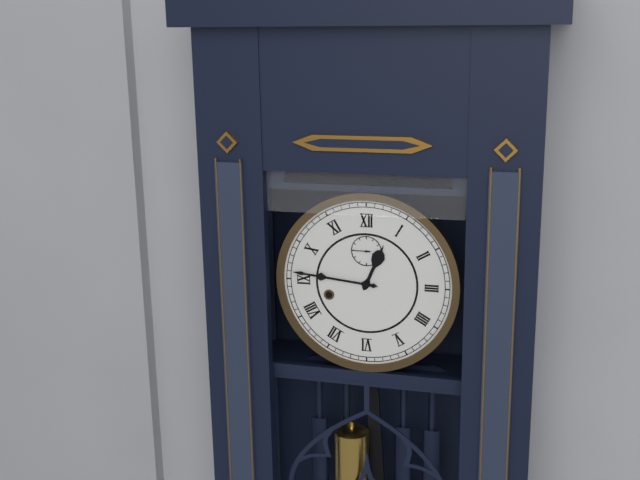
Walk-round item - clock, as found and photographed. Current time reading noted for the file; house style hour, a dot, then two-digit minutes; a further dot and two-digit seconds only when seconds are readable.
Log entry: 12.46
